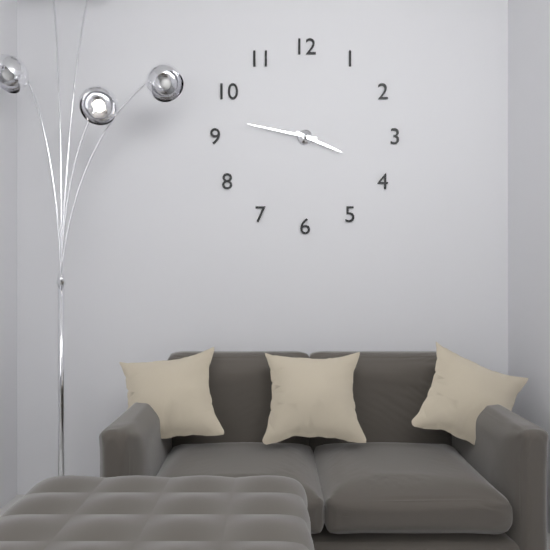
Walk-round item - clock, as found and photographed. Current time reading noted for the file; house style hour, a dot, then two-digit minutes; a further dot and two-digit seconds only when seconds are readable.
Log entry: 3.47
